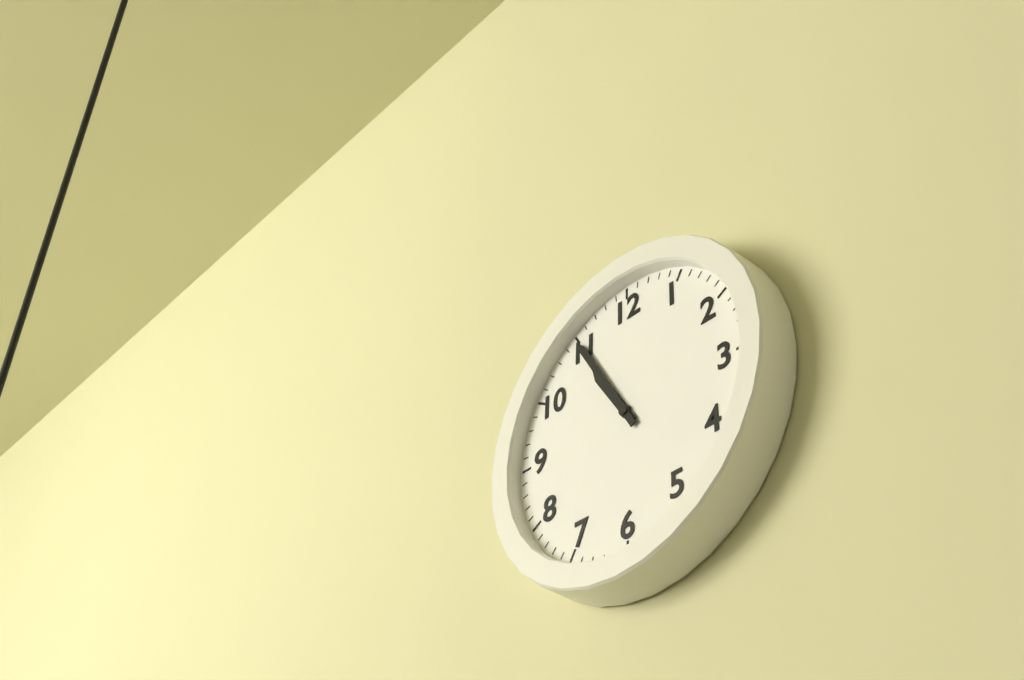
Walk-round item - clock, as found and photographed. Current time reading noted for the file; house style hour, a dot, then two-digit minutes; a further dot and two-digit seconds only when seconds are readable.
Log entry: 10.55
